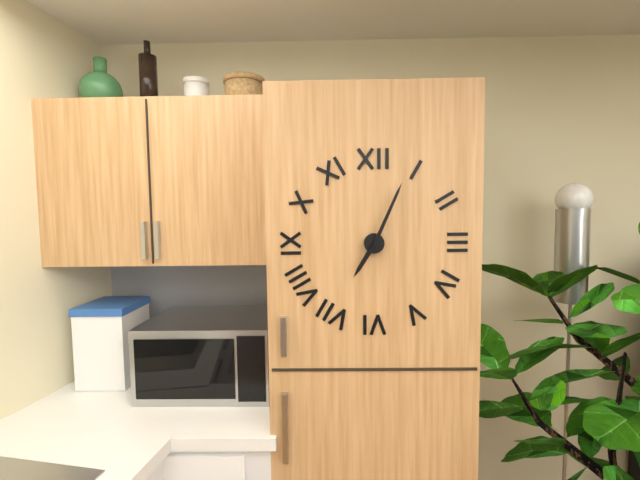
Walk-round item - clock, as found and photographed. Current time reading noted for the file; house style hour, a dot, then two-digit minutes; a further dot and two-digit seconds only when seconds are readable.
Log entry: 7.04
